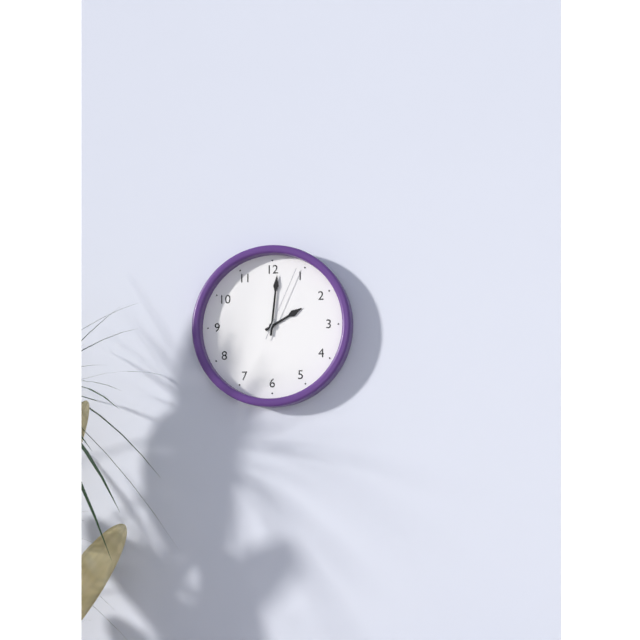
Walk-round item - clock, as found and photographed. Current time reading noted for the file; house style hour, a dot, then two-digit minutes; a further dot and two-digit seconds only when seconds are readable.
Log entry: 2.01.04
